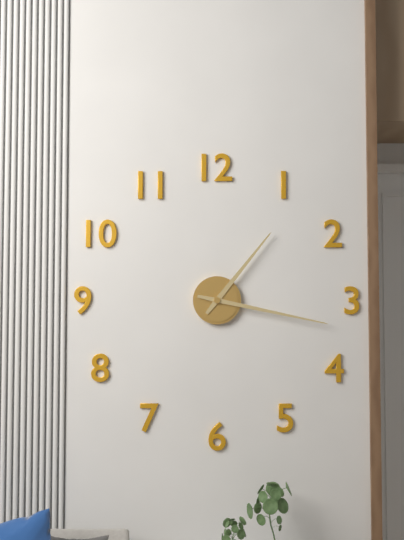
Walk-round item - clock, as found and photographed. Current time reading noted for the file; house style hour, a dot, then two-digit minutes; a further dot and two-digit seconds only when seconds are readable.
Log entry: 1.17
